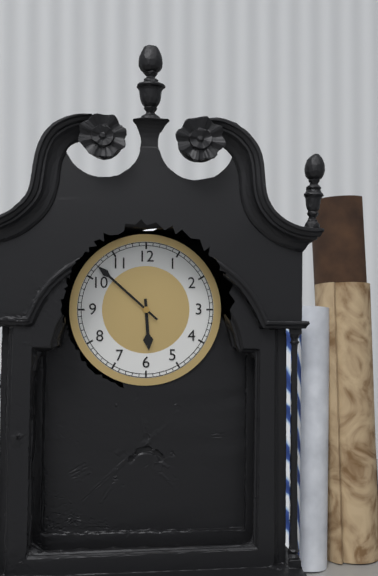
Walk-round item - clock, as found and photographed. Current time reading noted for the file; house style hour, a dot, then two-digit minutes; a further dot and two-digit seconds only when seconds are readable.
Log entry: 5.52
